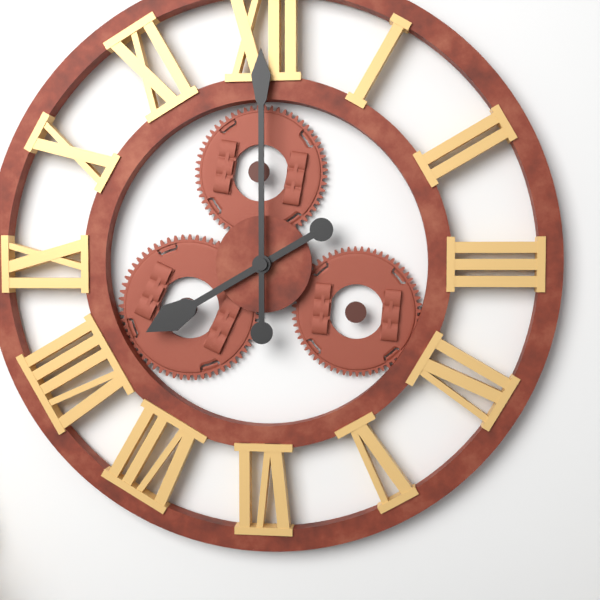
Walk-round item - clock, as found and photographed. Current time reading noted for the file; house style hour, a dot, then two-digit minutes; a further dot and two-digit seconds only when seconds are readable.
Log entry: 8.00
